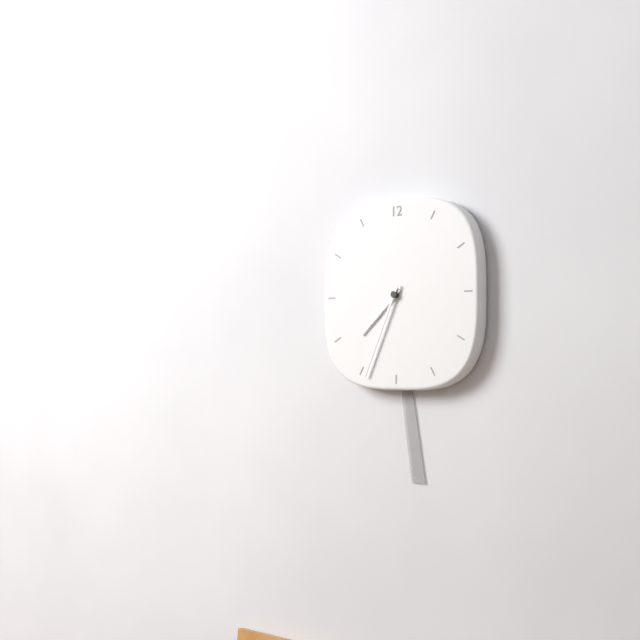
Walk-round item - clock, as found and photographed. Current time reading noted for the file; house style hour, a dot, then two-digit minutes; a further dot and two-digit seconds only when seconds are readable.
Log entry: 7.34
